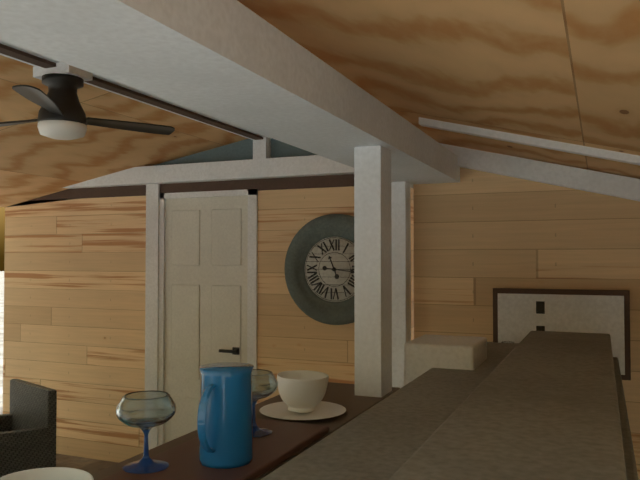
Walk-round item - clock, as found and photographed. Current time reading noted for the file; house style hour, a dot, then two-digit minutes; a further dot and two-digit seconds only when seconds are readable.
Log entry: 11.16
